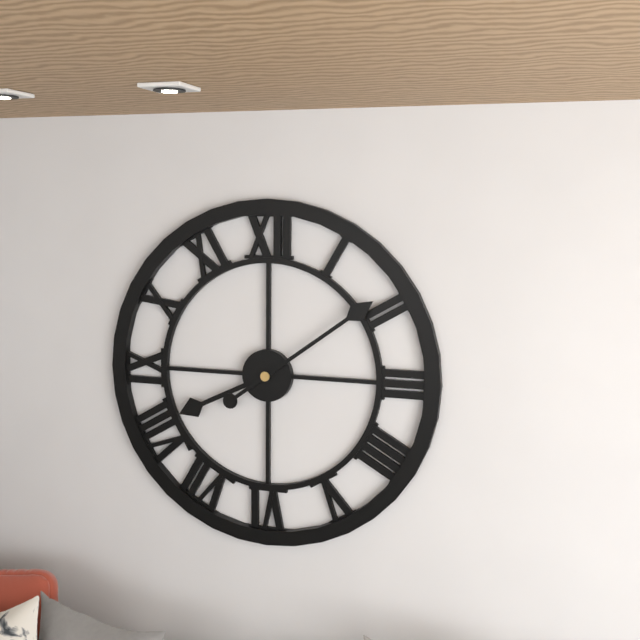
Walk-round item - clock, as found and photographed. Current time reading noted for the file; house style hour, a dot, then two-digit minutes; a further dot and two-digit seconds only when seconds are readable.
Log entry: 8.09
